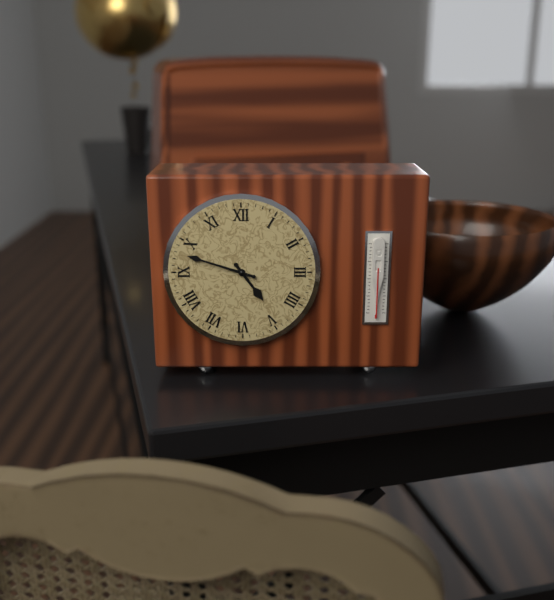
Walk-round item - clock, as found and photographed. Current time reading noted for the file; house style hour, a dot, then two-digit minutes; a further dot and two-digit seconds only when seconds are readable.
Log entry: 4.48
